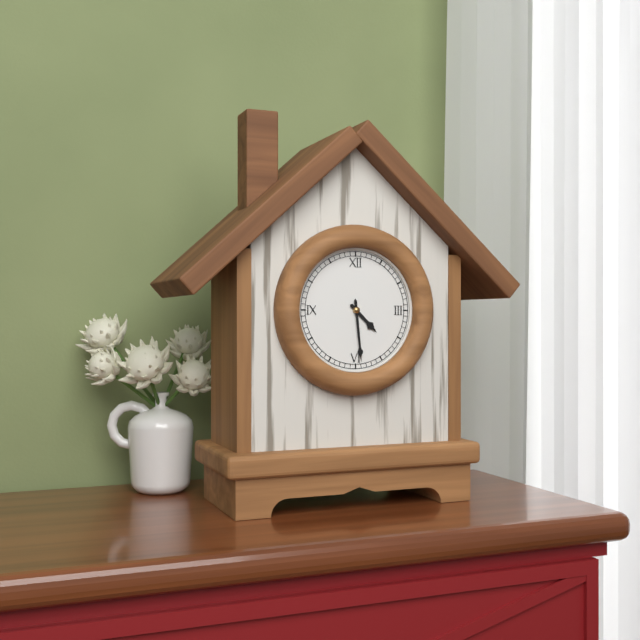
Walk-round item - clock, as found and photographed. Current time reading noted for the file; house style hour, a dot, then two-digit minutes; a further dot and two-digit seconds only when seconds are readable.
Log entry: 4.29
